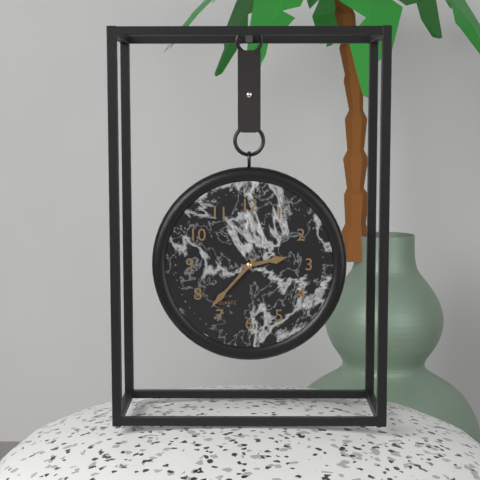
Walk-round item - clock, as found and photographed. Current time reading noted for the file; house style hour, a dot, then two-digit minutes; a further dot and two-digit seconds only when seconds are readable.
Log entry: 2.37
